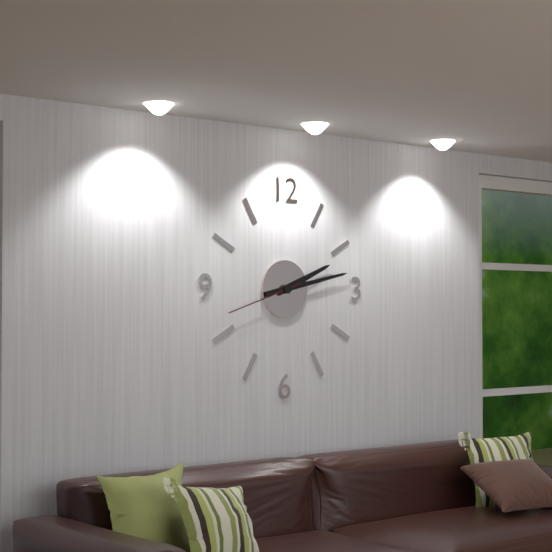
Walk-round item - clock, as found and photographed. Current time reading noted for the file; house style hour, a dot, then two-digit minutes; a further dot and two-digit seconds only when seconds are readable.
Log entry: 2.13.42
